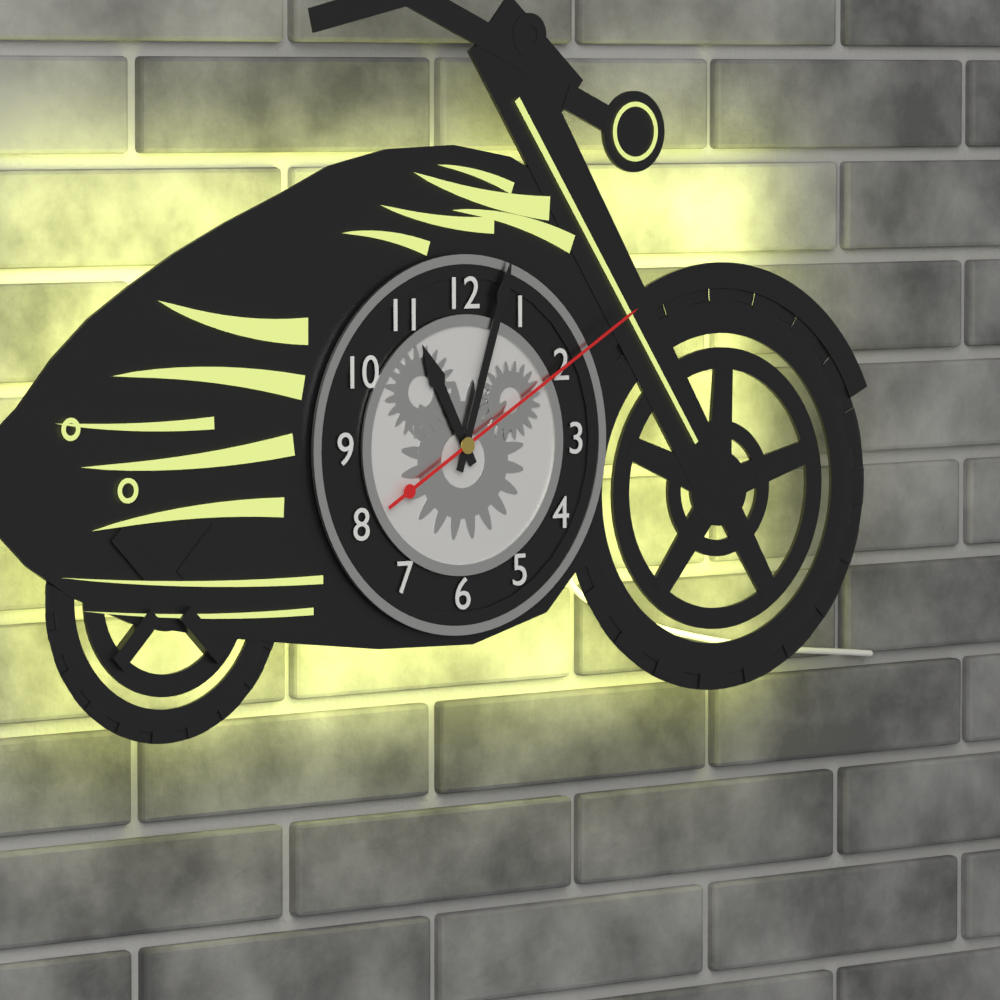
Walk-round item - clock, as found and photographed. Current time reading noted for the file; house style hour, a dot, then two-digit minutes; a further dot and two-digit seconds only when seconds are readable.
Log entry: 11.03.10
